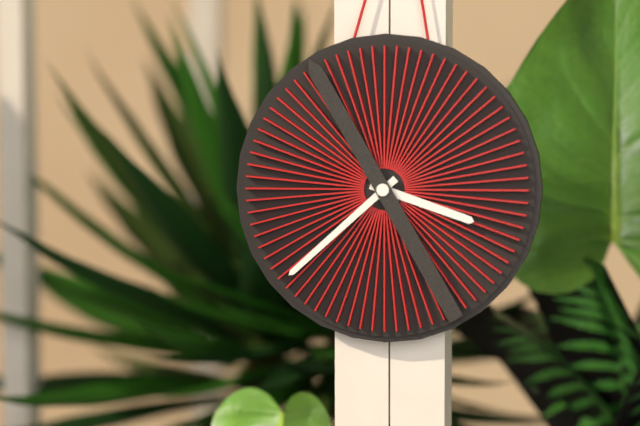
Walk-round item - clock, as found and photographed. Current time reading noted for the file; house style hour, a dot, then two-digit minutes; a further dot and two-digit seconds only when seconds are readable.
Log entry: 3.38.55
